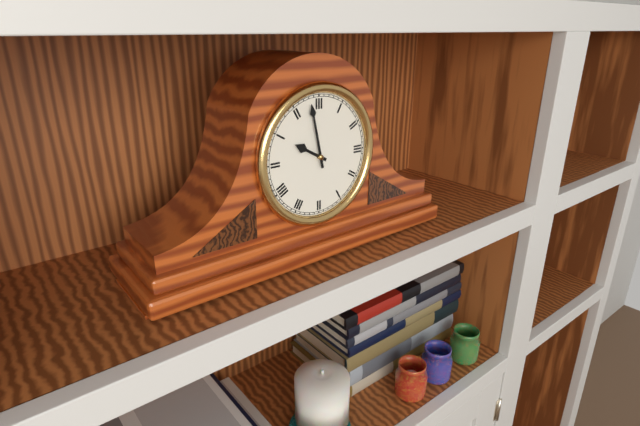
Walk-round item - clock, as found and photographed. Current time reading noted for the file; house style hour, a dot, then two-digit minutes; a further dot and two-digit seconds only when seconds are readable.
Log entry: 9.58
